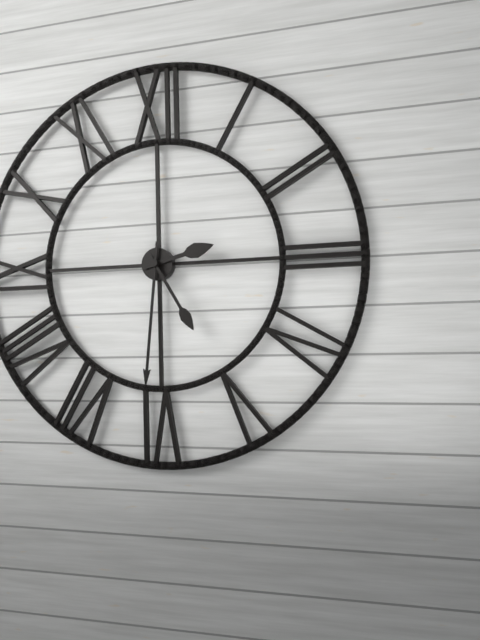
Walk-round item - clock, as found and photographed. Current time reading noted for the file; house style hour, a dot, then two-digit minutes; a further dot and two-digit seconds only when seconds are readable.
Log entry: 2.31.25
